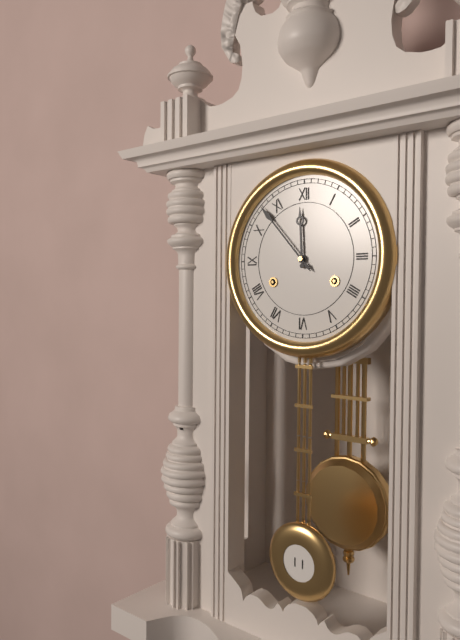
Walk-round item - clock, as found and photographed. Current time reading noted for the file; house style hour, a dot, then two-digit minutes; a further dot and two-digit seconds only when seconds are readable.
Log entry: 11.53
